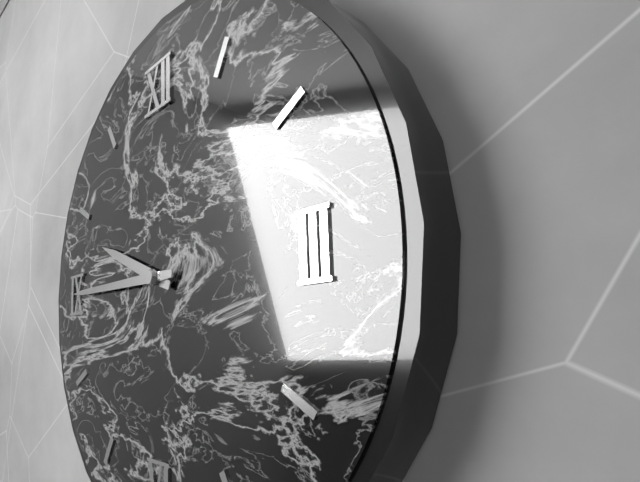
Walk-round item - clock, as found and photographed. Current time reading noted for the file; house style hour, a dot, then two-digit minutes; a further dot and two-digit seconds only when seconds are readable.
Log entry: 9.45
